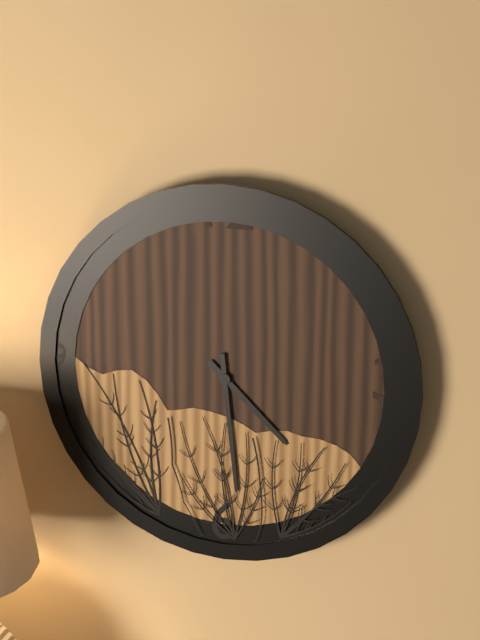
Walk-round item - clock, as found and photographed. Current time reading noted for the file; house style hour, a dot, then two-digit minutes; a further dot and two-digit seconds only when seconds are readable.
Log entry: 4.29
